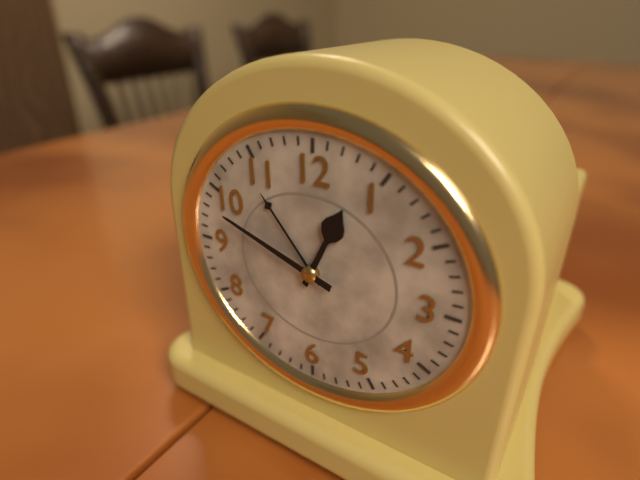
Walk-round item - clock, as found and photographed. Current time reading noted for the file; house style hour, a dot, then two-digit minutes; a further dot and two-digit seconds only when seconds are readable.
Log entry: 12.48
